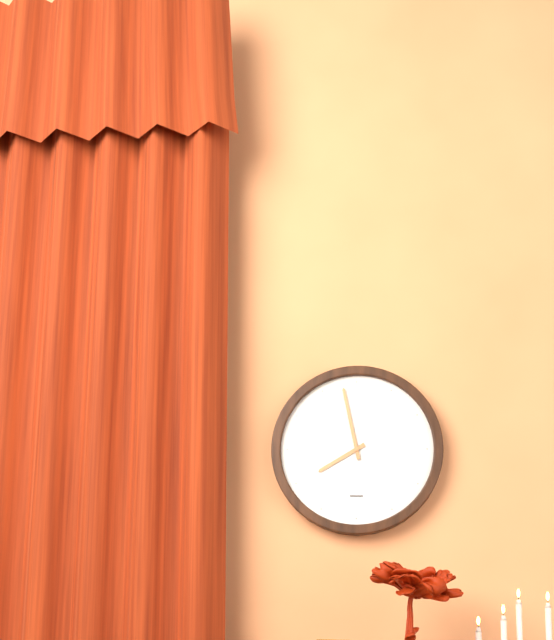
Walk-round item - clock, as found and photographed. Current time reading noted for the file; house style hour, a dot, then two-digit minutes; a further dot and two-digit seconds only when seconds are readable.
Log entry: 7.58
